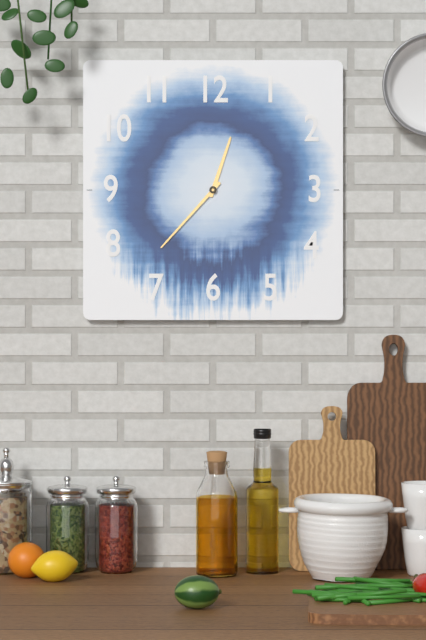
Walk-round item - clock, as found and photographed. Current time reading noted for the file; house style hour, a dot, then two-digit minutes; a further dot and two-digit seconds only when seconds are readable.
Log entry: 12.37
